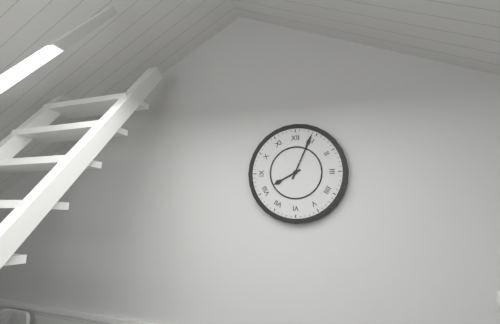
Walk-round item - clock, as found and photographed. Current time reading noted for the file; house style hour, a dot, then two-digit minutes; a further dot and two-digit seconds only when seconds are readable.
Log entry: 8.04
